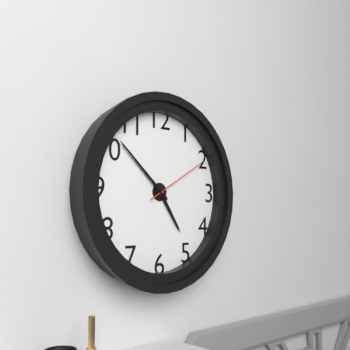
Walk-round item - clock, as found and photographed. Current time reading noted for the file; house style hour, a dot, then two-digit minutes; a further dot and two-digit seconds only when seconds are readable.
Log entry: 4.52.10
